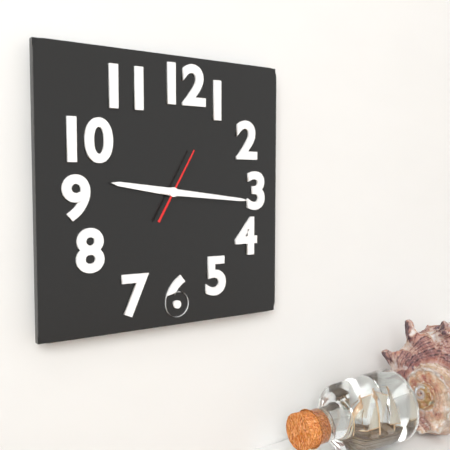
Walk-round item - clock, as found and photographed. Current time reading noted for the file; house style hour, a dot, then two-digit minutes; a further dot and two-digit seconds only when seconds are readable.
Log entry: 9.16.05
